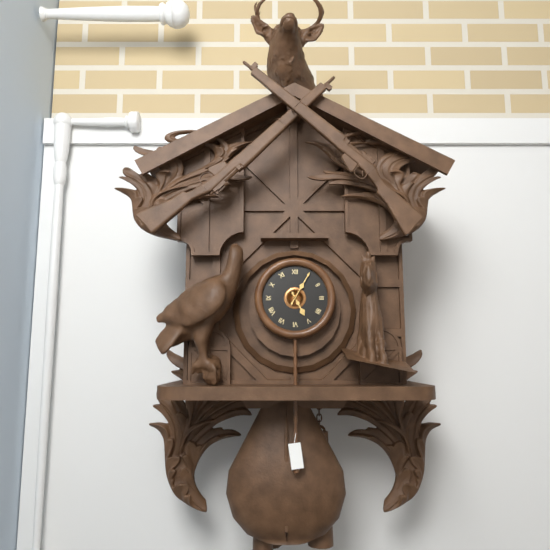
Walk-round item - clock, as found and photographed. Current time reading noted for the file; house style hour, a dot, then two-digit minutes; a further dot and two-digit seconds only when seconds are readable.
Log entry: 5.05
